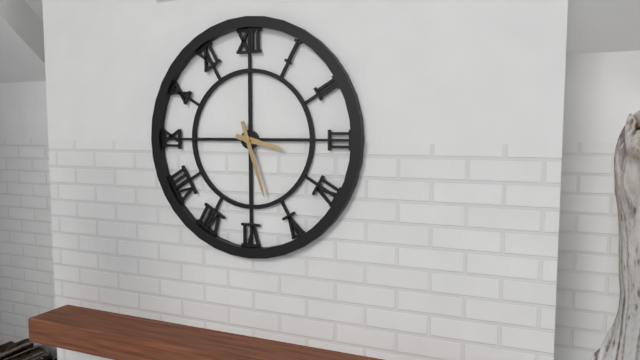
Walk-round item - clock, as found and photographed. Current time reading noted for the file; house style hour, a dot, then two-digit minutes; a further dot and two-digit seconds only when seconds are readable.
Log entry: 3.27
